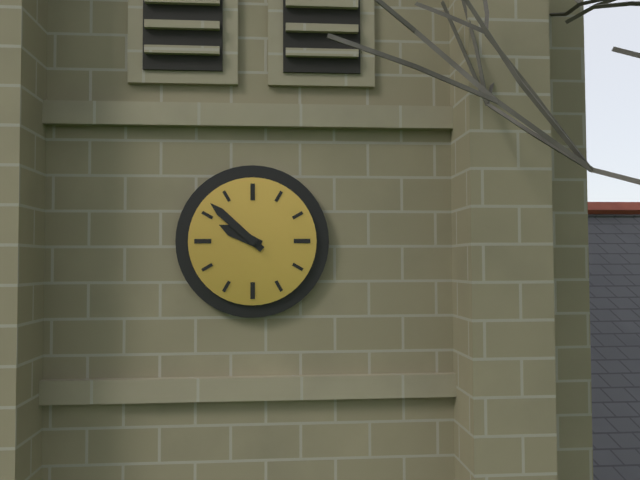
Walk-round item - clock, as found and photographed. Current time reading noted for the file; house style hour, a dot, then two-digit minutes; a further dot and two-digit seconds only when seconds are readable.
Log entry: 9.52
